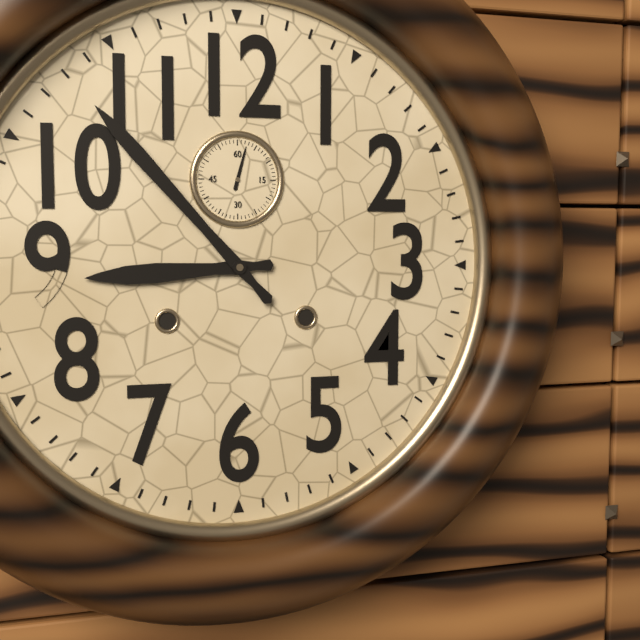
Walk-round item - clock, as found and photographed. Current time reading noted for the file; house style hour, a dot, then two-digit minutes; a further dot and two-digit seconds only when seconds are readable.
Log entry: 8.53
